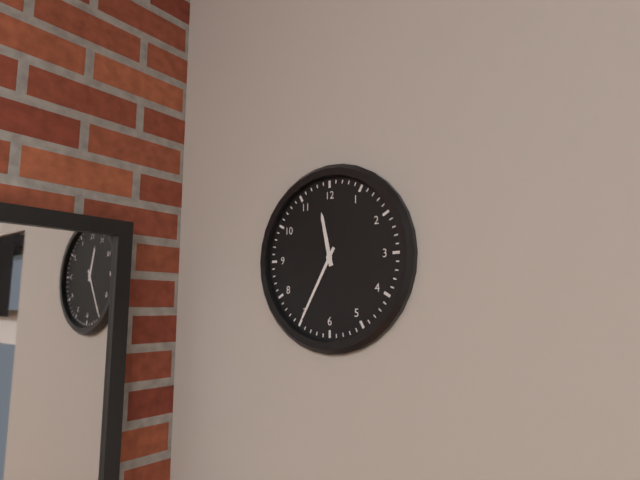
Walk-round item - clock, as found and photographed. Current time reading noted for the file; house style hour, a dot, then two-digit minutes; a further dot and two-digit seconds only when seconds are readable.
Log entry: 11.35
